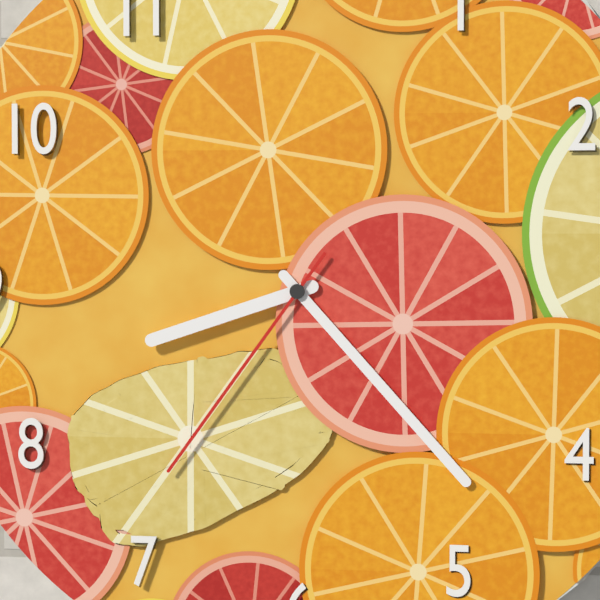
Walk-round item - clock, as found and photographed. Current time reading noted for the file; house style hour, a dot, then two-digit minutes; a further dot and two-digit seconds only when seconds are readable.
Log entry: 8.23.36
